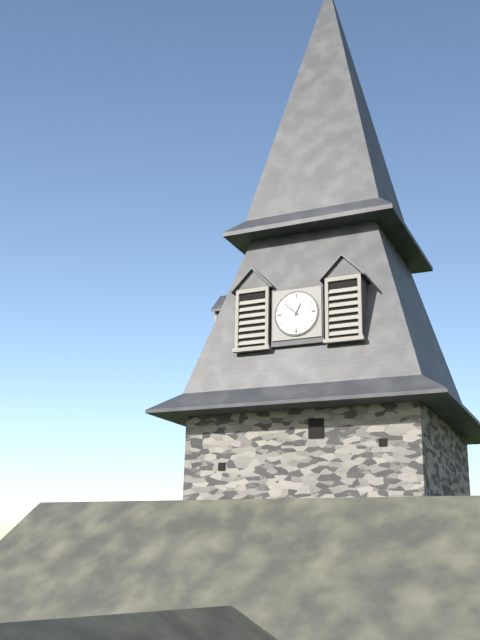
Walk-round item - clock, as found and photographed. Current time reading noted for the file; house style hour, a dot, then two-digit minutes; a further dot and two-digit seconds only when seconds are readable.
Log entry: 12.52
